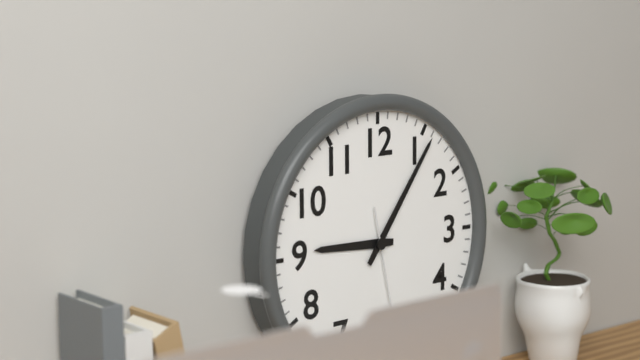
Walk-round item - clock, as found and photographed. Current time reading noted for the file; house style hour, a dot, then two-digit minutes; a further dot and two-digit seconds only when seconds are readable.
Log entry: 9.06
